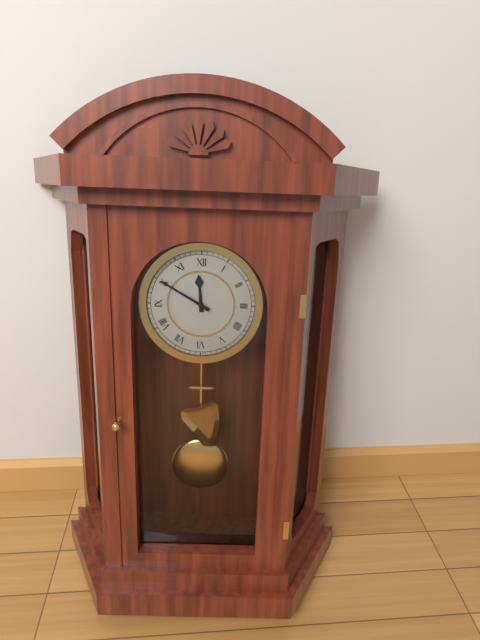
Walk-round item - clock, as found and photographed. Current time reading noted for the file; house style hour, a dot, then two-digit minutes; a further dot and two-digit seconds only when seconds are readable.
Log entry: 11.50
